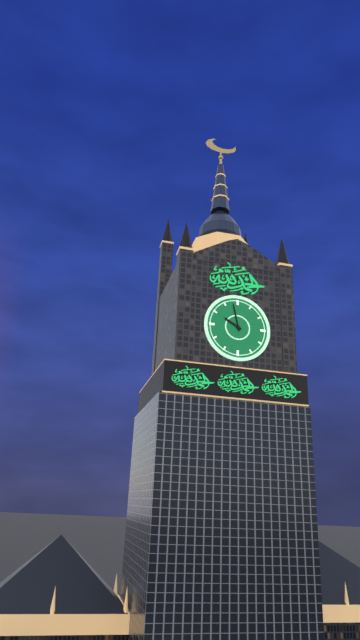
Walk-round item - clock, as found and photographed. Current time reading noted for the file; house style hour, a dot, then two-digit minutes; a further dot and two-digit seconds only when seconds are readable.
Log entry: 9.58
